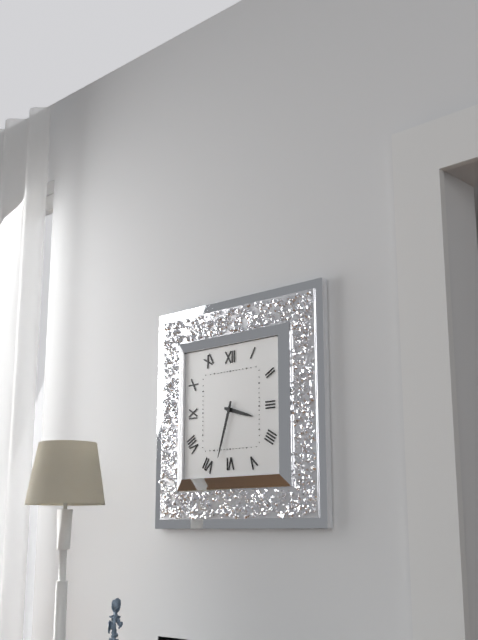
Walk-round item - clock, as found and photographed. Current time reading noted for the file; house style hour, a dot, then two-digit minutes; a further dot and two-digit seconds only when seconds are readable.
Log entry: 3.33
